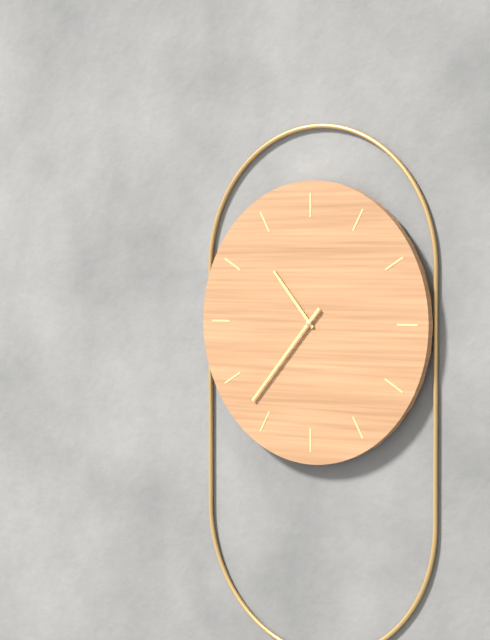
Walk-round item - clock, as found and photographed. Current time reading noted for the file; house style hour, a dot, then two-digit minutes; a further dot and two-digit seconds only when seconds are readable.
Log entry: 10.37
